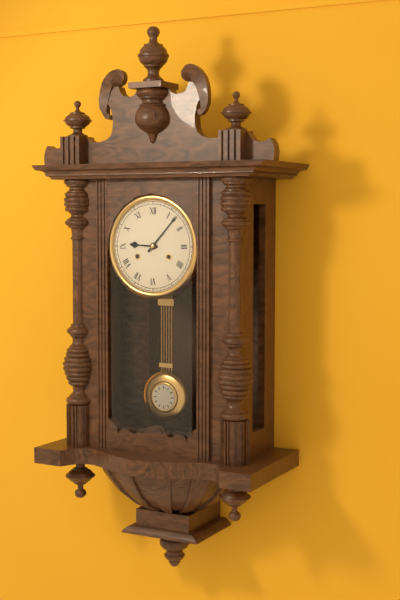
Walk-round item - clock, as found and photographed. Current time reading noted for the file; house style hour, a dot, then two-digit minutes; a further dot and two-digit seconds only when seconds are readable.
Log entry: 9.07
